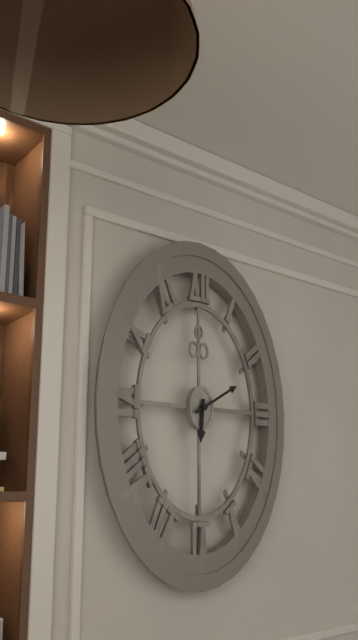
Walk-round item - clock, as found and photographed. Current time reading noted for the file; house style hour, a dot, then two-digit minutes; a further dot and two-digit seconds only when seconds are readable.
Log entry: 6.10
